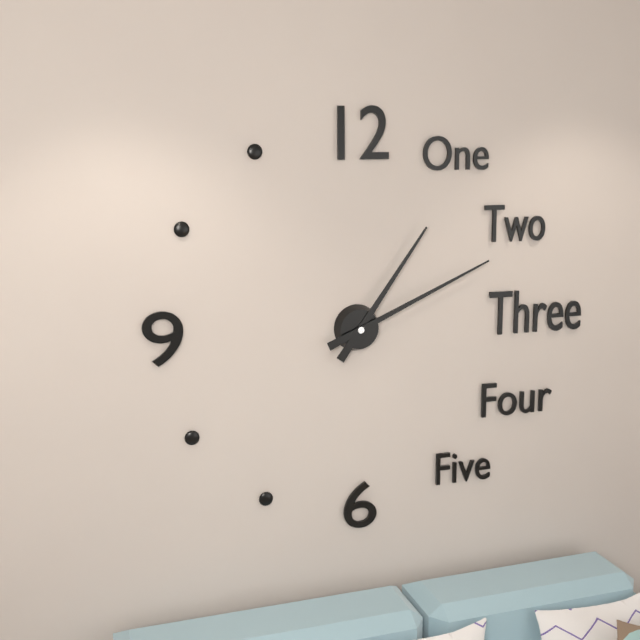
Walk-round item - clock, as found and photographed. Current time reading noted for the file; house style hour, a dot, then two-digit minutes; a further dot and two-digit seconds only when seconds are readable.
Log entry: 1.11
